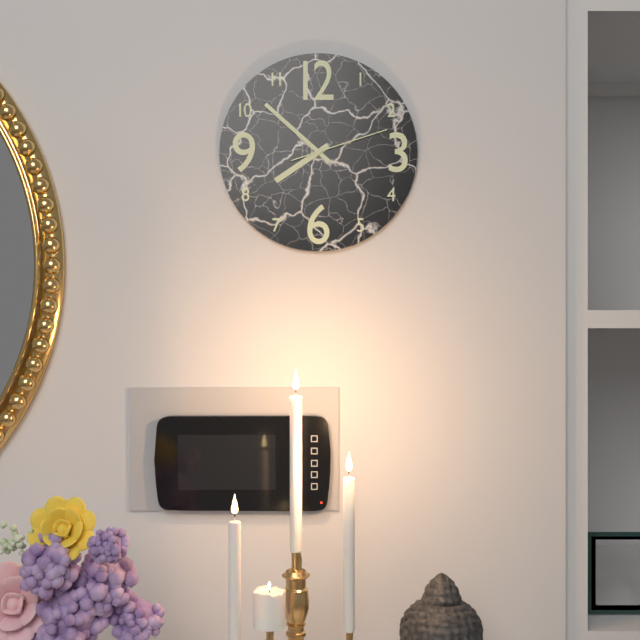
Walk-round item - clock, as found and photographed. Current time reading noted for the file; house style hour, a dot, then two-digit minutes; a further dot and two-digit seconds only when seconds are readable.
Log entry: 7.52.12
